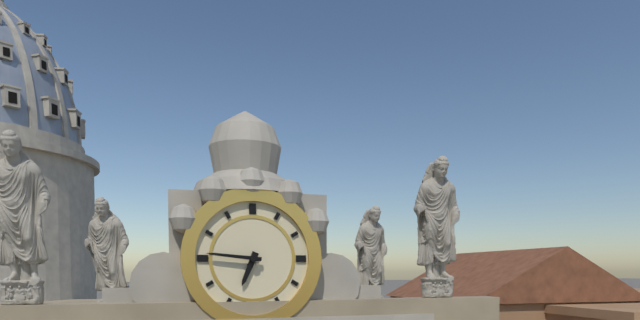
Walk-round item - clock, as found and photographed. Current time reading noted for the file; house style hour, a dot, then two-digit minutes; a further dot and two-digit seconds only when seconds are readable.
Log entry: 6.46
